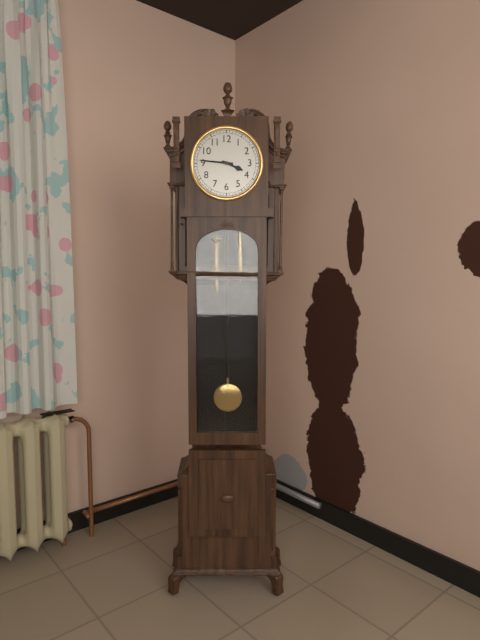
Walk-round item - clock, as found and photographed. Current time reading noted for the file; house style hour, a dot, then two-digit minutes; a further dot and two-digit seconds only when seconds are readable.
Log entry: 3.46
